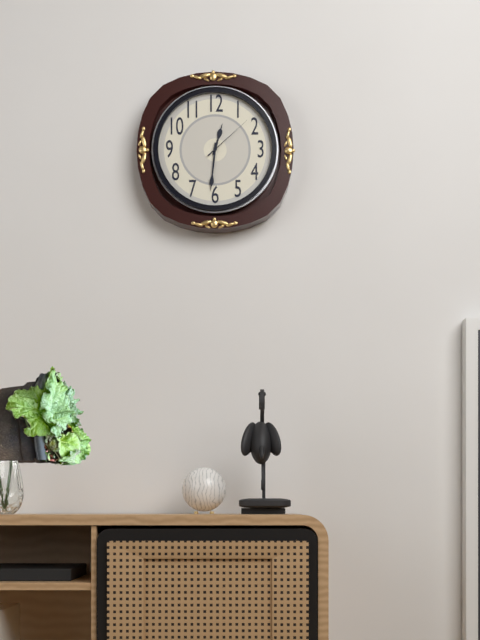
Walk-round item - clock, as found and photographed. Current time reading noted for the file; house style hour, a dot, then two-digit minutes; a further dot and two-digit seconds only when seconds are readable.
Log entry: 12.31.08
